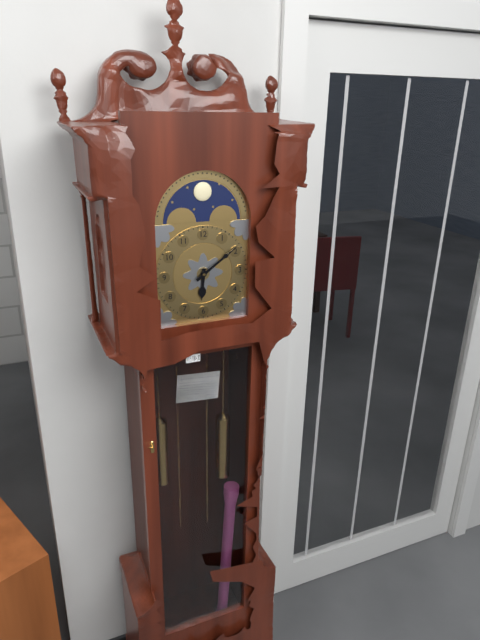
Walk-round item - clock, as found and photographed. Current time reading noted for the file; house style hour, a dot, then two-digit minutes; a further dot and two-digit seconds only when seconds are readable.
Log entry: 6.09
